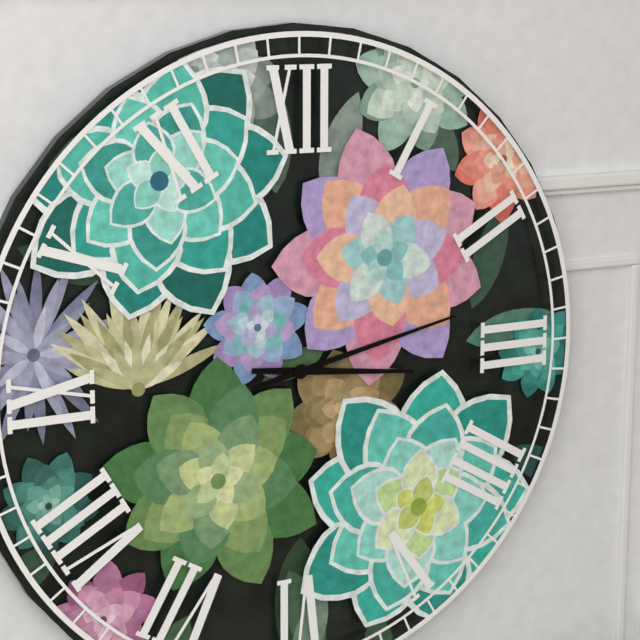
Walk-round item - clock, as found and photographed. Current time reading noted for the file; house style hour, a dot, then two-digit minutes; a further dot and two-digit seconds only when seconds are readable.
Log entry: 3.13
